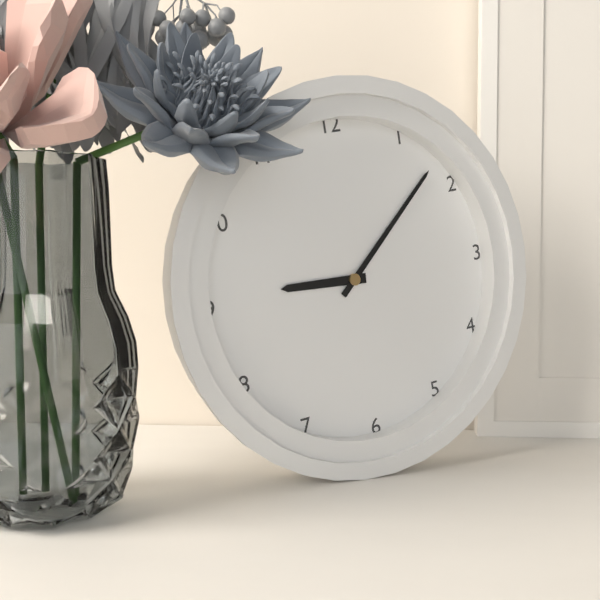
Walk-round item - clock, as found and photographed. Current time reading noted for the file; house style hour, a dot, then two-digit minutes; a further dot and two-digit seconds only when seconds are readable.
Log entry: 9.08
